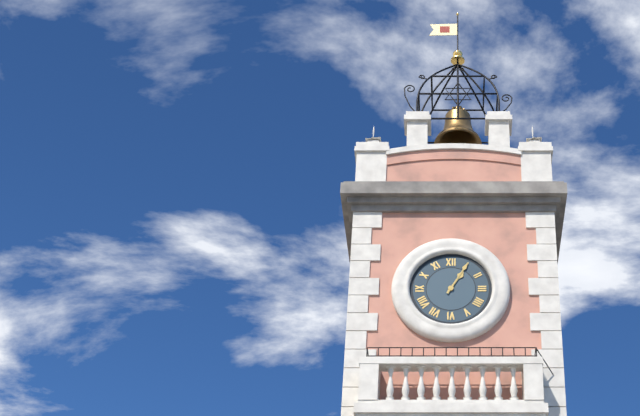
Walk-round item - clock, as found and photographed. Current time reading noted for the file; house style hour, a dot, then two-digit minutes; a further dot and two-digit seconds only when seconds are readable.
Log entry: 1.05
